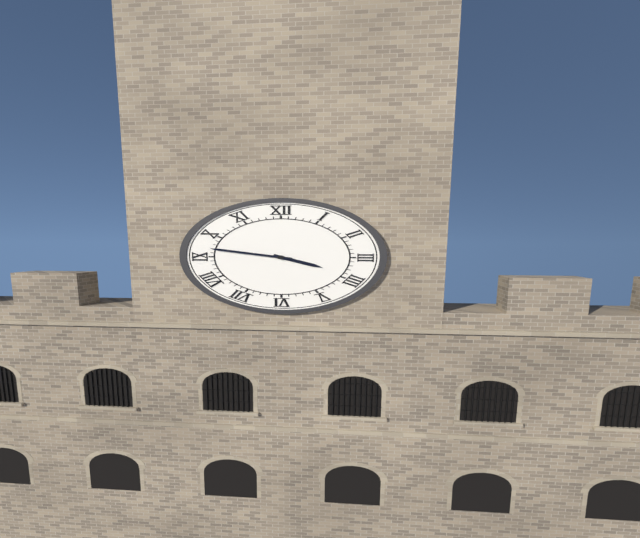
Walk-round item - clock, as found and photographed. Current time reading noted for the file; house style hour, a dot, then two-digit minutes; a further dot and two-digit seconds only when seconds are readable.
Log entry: 3.47
